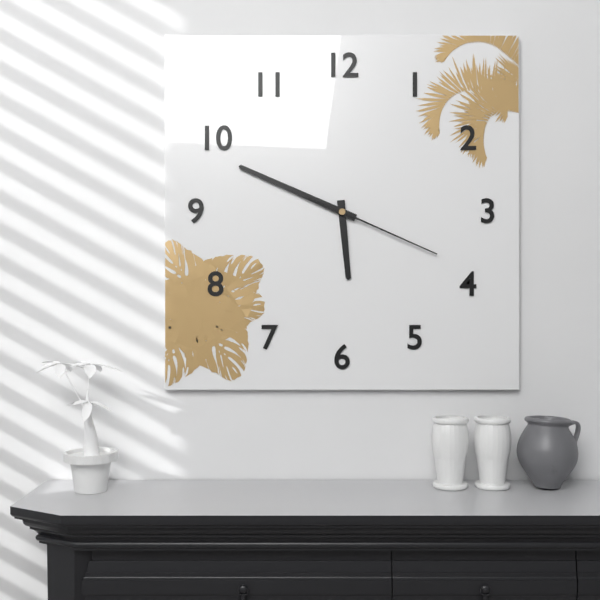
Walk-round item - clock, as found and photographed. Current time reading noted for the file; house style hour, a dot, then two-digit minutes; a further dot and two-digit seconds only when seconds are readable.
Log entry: 5.49.19
